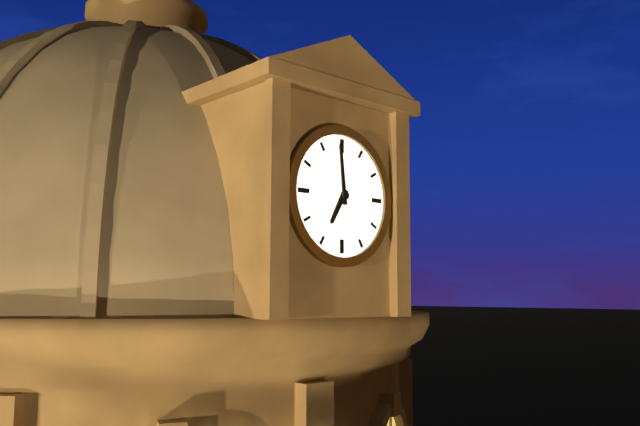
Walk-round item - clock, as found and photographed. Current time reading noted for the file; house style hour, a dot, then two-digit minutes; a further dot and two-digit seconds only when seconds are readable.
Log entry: 6.59
